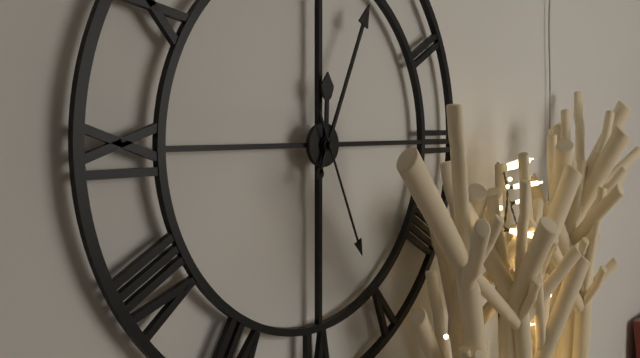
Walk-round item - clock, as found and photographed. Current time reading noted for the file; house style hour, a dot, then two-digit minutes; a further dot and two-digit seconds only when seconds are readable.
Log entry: 12.04.26
